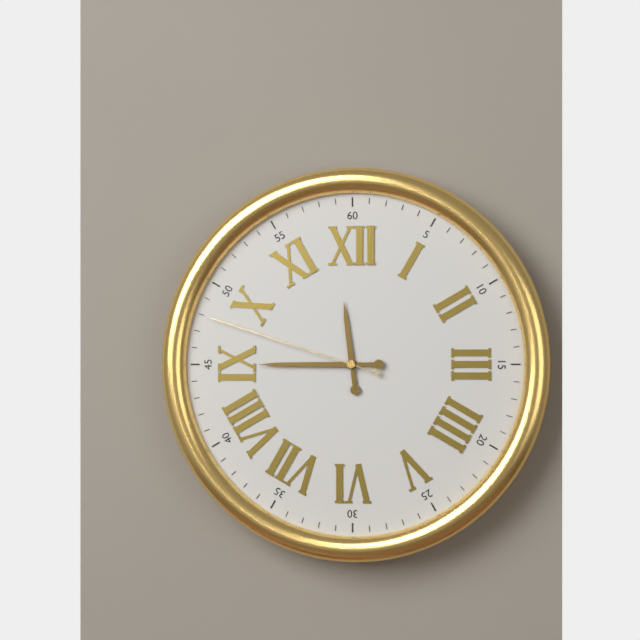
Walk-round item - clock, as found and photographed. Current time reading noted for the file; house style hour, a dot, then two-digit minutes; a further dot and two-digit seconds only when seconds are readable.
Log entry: 11.45.48
